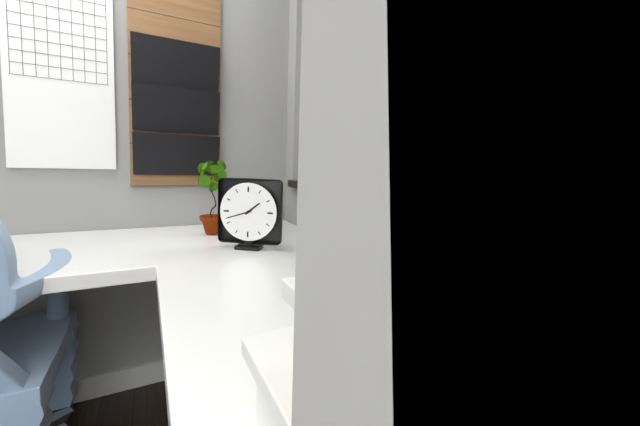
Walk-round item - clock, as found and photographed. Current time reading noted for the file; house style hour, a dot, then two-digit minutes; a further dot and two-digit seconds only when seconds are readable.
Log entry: 1.42
